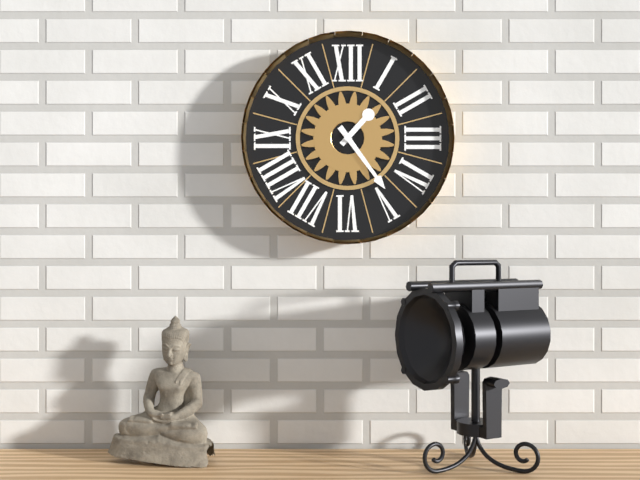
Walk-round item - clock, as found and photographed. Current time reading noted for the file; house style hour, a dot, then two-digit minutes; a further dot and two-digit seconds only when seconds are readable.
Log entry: 1.24
